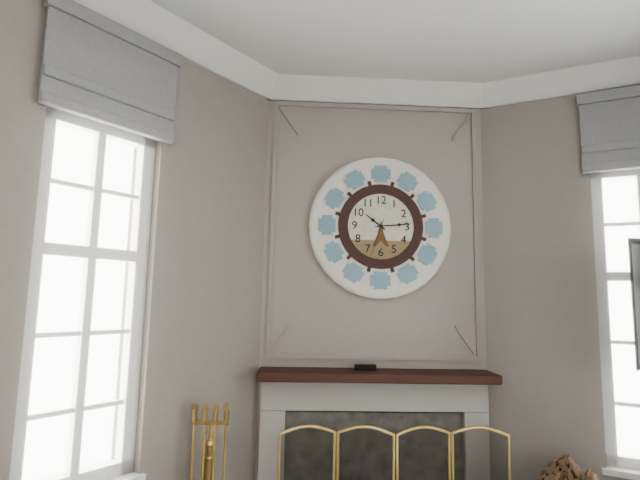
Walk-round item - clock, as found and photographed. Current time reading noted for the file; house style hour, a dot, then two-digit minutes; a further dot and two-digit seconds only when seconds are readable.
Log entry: 10.14
